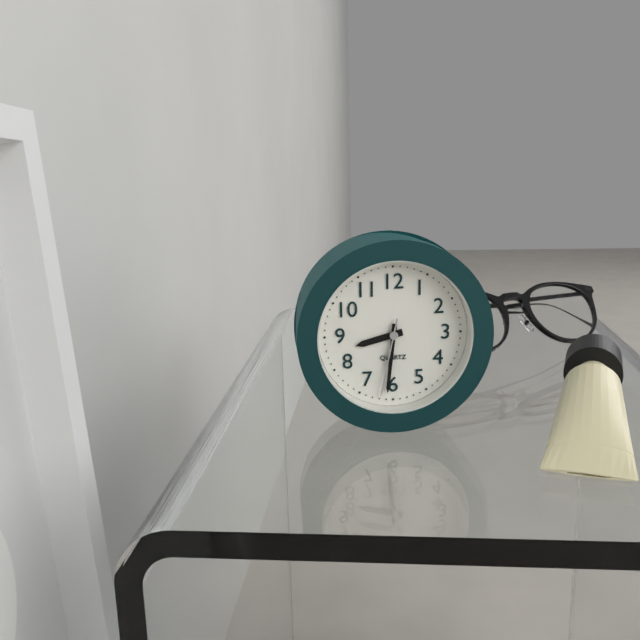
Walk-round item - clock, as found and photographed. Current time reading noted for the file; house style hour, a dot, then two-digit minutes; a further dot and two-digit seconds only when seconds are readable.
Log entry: 8.31.32
